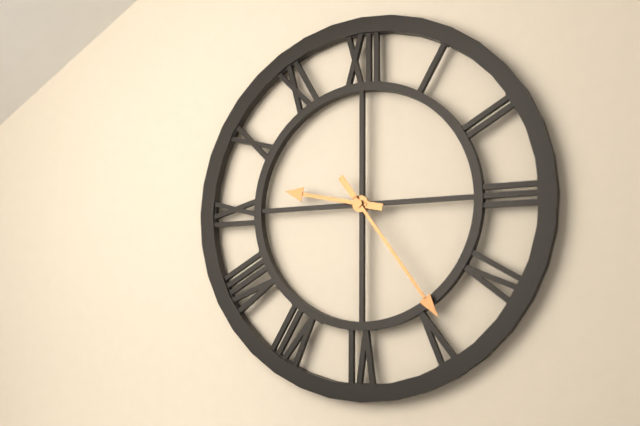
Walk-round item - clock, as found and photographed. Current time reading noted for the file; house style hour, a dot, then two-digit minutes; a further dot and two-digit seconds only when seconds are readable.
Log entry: 9.24
